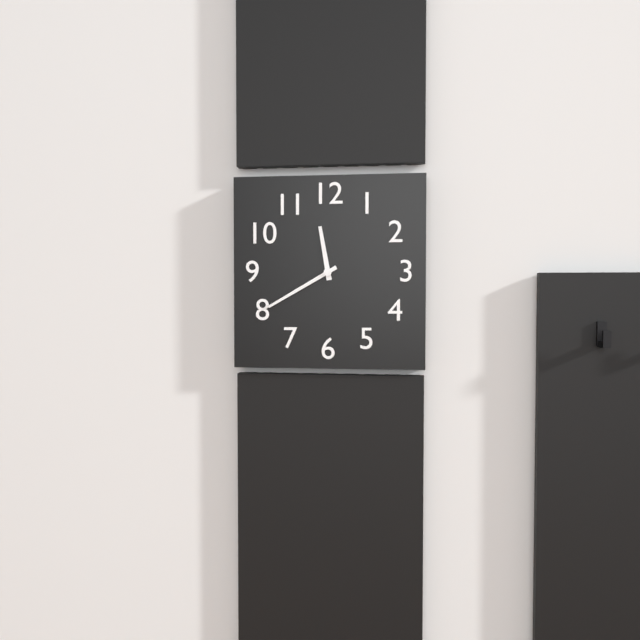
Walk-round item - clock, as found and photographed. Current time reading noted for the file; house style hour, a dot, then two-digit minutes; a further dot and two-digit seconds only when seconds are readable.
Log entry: 11.40
